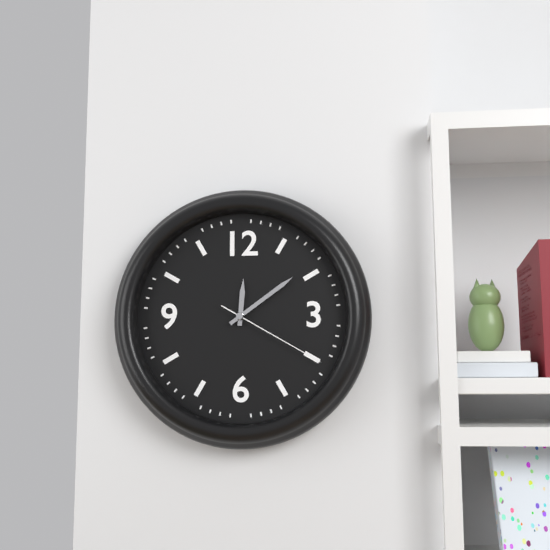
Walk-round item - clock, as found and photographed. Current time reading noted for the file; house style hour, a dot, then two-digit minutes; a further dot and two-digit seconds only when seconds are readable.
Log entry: 12.09.20
